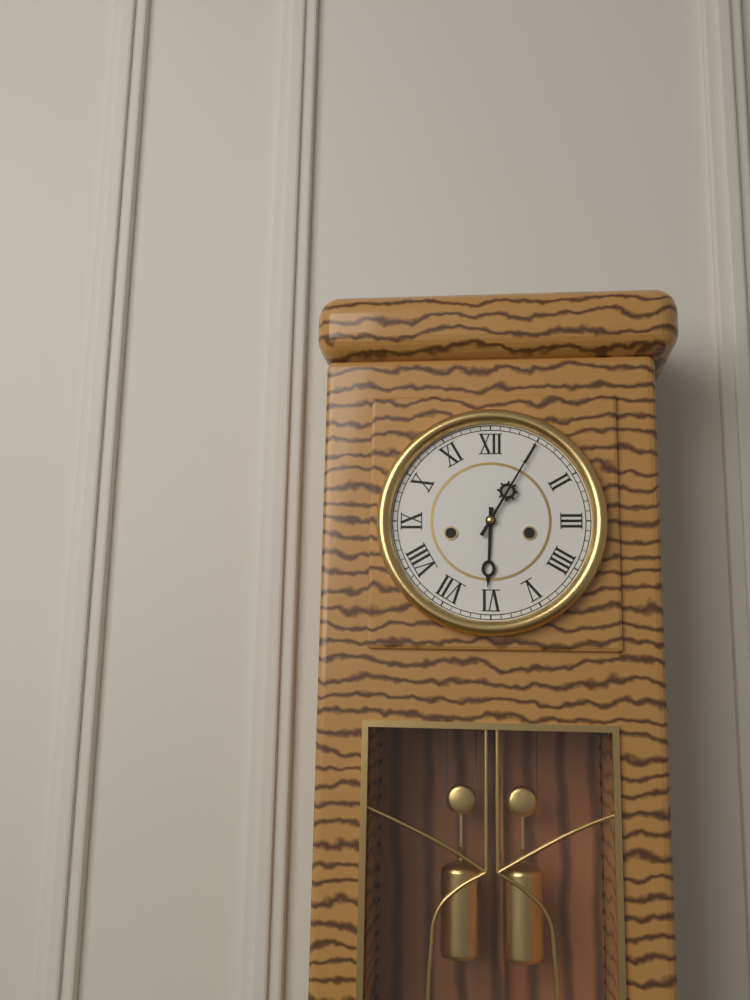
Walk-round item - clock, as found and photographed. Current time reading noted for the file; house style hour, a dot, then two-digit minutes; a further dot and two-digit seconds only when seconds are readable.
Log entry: 6.05
